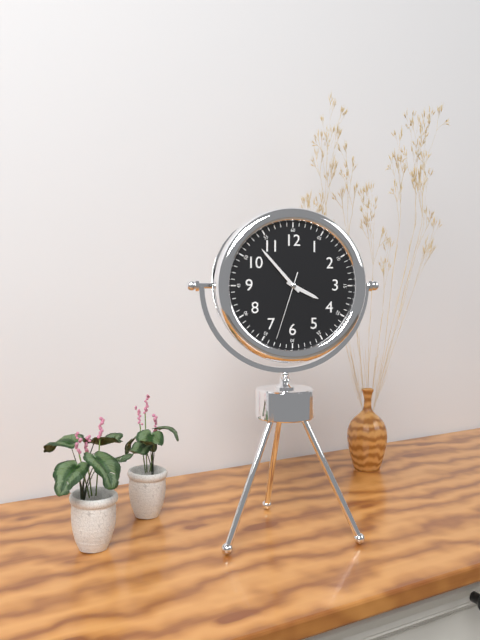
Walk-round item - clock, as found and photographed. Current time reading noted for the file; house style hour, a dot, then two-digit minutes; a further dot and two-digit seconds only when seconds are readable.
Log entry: 3.53.33
